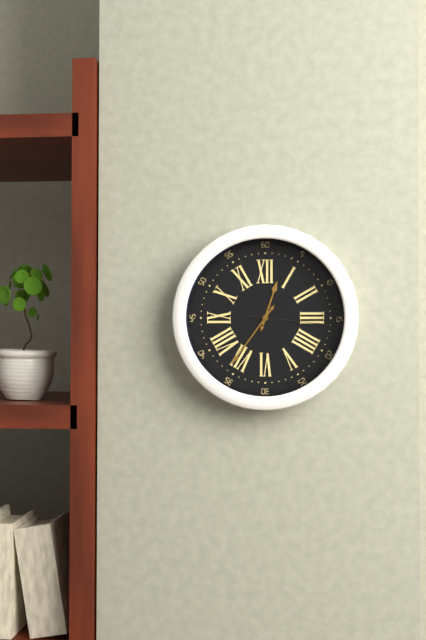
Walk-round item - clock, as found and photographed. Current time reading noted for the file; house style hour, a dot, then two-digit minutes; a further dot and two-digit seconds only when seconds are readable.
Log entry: 12.36.16
